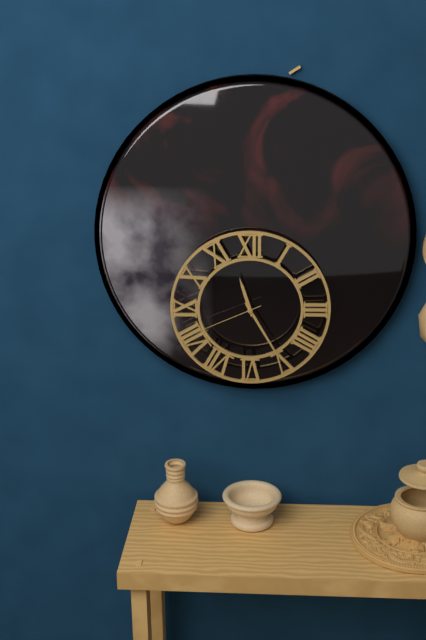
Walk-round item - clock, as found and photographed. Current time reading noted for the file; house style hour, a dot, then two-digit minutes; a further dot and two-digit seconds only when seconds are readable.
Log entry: 11.25.41
